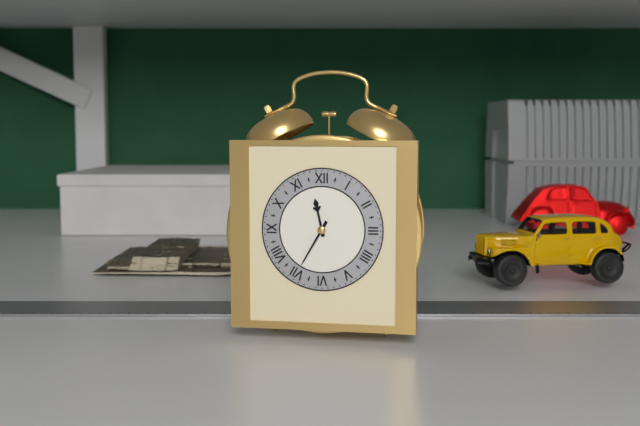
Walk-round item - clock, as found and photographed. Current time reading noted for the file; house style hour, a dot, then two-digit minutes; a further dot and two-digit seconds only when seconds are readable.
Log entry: 11.35
